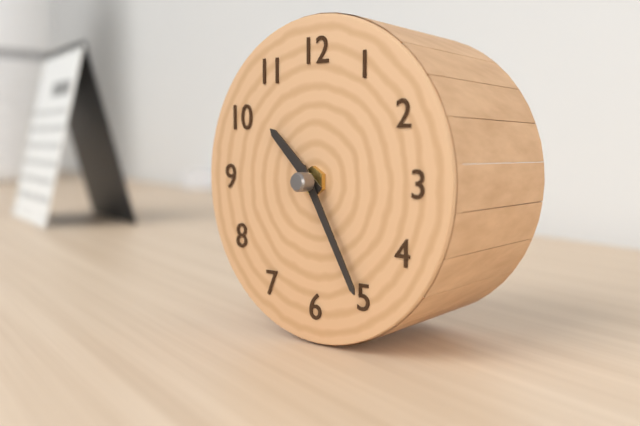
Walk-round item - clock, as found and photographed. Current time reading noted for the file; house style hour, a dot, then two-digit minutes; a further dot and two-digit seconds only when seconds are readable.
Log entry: 10.25
